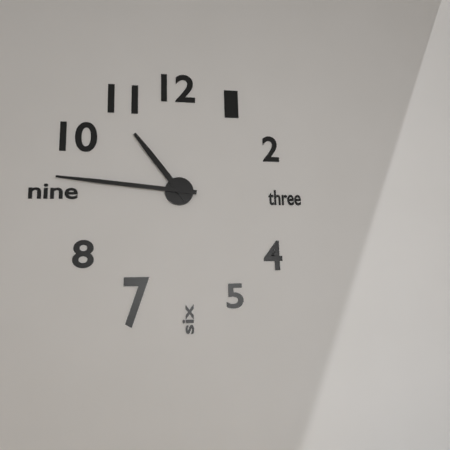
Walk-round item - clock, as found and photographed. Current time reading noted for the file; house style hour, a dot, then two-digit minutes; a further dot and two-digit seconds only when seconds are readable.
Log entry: 10.46
